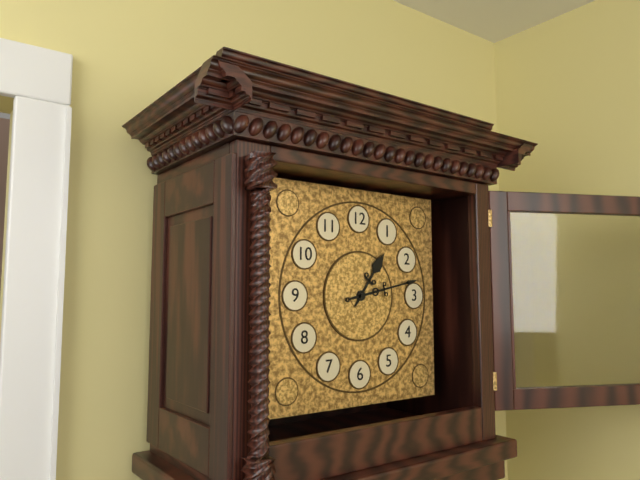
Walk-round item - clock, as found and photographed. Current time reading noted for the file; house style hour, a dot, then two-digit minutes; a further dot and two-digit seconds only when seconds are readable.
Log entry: 1.13
